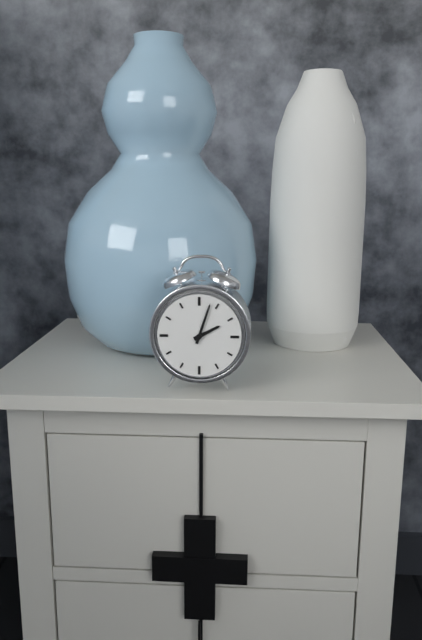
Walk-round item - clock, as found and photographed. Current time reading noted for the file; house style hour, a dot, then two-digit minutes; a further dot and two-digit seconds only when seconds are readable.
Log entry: 2.03
